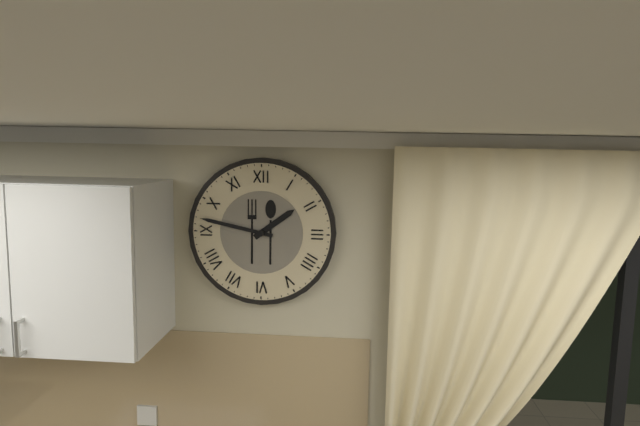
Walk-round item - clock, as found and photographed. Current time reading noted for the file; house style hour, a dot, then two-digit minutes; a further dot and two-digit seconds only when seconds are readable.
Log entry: 1.47
